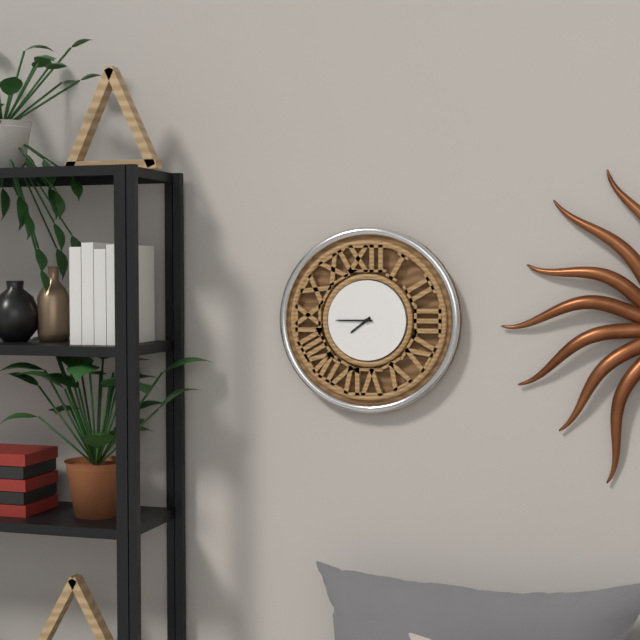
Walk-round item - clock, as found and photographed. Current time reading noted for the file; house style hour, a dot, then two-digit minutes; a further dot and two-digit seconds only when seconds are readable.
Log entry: 7.45
